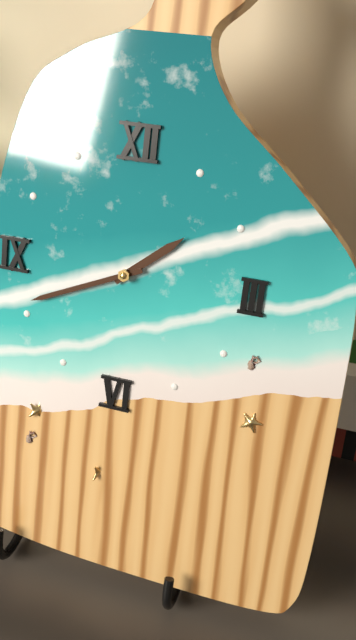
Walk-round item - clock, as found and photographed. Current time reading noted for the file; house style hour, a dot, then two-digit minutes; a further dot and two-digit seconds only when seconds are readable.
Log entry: 1.41
